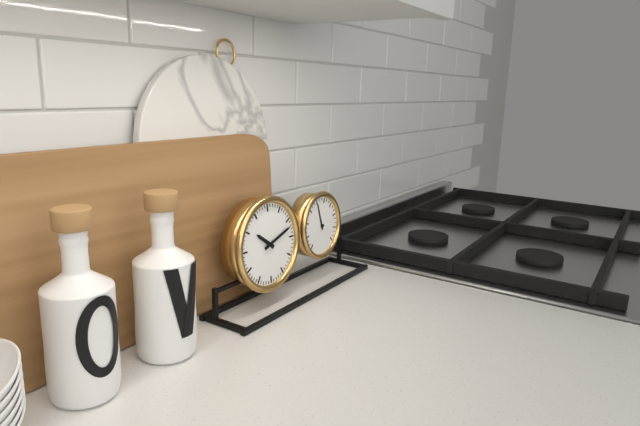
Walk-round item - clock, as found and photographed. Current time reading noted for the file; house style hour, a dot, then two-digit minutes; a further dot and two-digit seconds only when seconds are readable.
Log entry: 10.12
